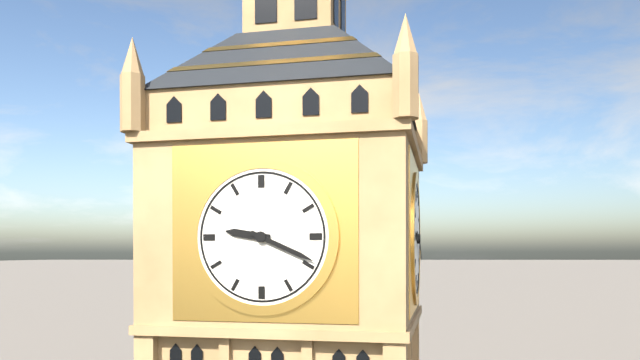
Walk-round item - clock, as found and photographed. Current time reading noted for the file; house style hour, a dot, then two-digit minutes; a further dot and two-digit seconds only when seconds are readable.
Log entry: 9.19
